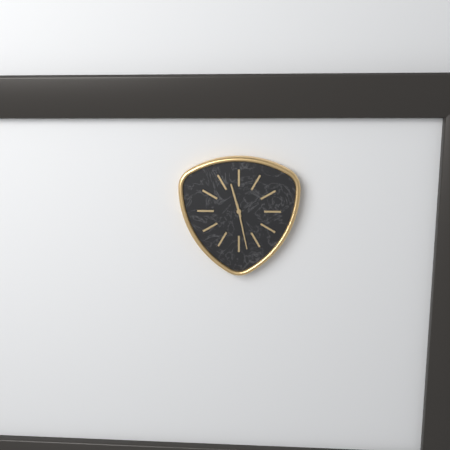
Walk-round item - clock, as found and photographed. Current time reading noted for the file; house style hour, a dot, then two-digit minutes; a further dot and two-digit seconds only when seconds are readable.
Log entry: 11.28
